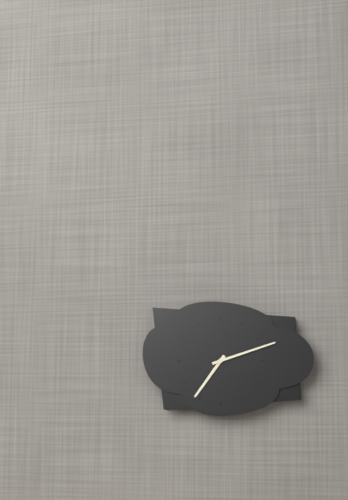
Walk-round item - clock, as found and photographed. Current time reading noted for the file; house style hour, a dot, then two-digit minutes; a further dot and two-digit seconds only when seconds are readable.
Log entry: 7.12
